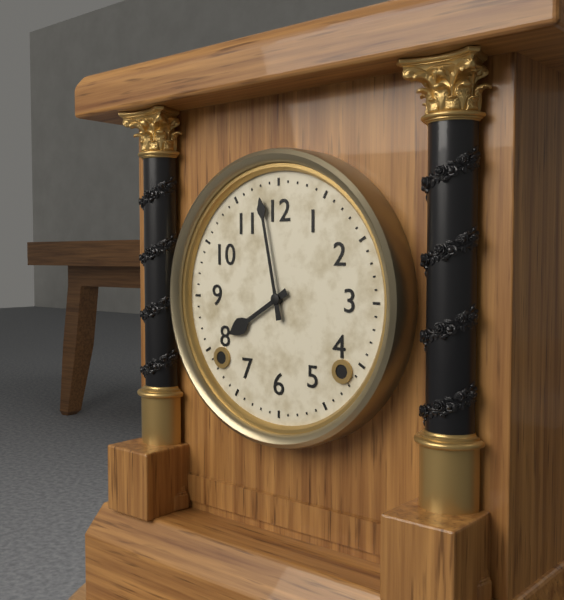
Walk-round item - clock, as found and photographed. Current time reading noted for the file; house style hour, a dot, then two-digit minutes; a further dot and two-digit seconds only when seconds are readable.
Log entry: 7.58
